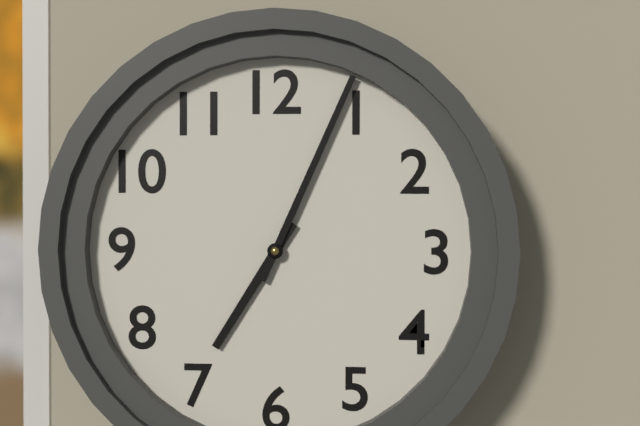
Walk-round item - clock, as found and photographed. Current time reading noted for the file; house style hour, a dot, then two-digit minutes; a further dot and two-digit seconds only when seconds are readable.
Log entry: 7.04
